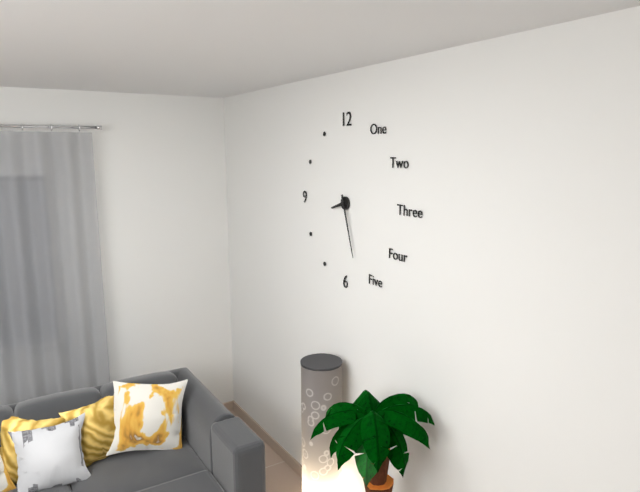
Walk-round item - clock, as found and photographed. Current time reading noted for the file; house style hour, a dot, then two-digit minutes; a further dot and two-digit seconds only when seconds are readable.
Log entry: 8.27
